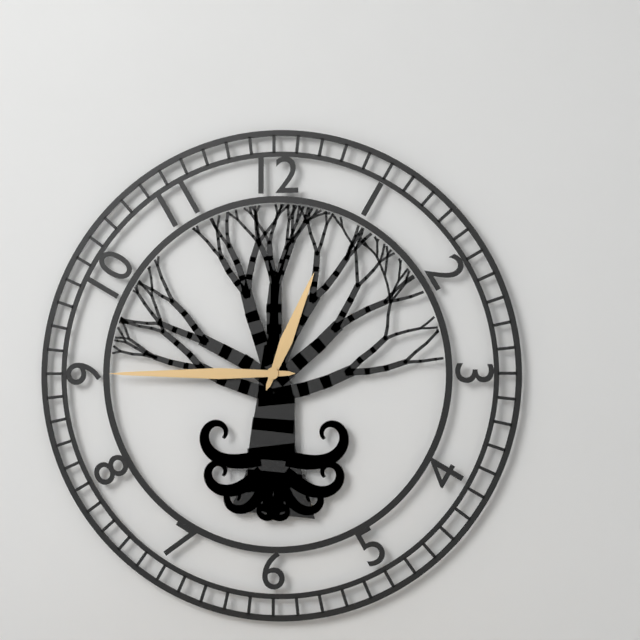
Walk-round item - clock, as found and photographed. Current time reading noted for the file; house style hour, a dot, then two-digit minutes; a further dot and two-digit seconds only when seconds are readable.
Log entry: 12.45
